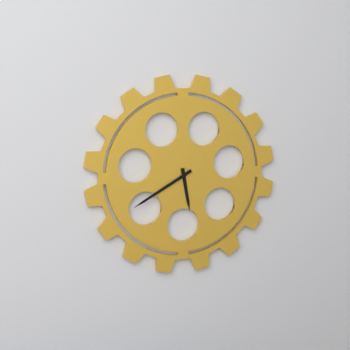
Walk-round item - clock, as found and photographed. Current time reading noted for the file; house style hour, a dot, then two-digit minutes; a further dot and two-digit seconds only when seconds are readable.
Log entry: 5.40
